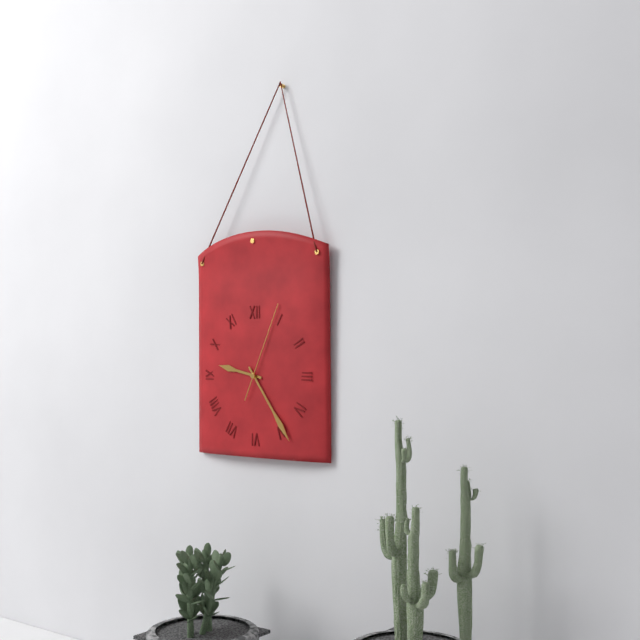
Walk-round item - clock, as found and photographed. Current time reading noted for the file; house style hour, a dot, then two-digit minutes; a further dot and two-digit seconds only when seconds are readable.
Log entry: 9.24.04
